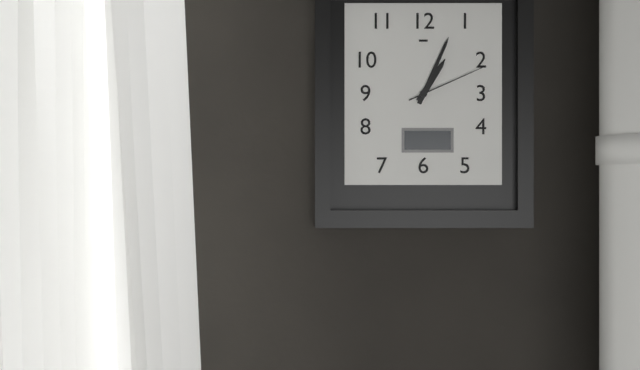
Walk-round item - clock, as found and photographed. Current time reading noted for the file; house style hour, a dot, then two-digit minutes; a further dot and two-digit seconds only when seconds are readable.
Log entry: 1.04.11
